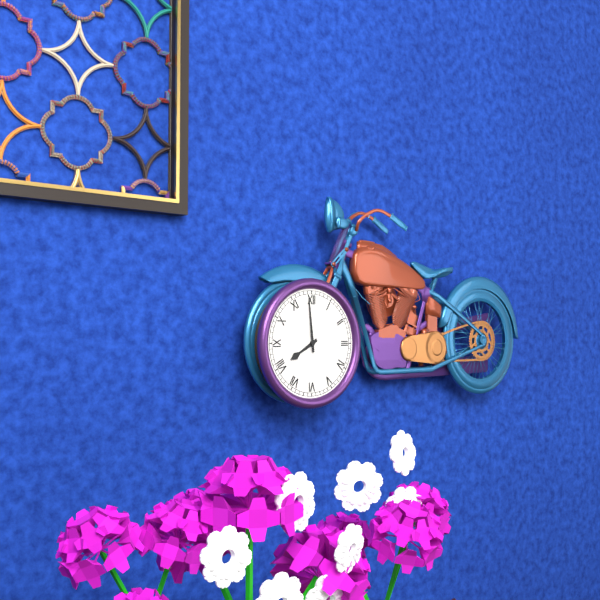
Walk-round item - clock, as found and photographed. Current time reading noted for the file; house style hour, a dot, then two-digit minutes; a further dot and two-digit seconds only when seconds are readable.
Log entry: 7.59
